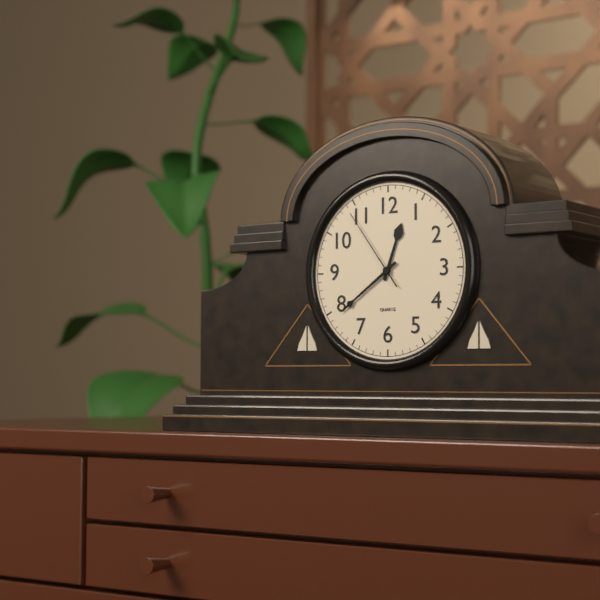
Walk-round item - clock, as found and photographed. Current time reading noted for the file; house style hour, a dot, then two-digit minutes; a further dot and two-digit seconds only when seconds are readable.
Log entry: 12.39.54
